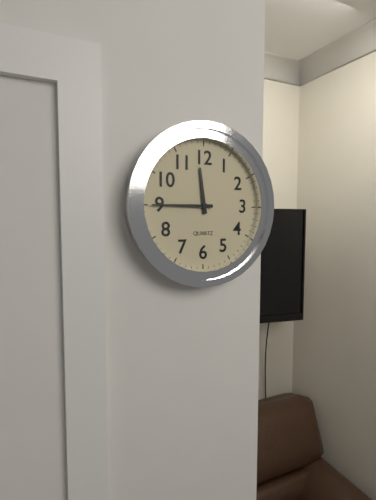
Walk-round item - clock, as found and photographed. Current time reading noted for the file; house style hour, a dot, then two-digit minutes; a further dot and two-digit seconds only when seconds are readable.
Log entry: 11.45
